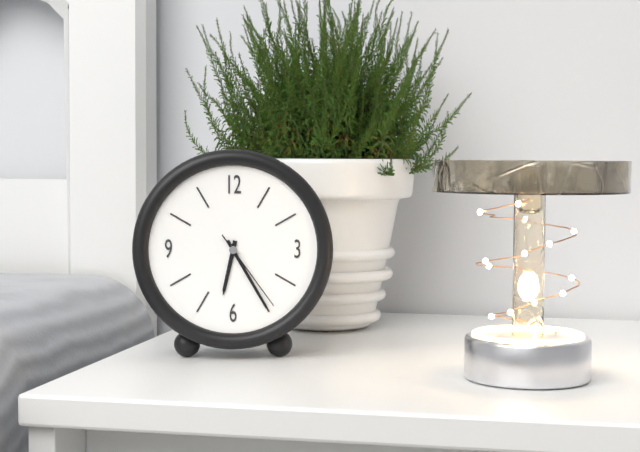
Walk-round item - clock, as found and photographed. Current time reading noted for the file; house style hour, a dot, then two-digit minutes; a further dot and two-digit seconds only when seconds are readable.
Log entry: 6.25.24
